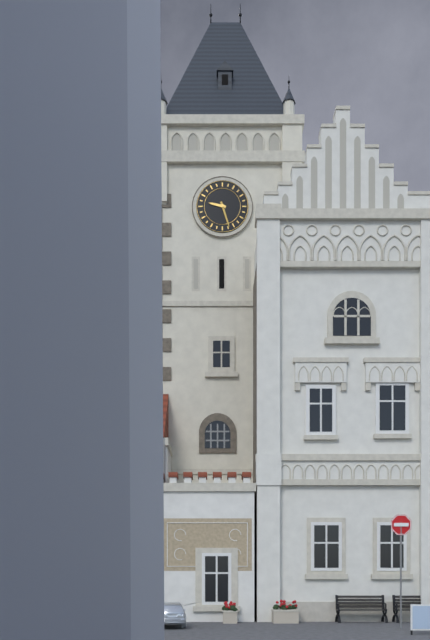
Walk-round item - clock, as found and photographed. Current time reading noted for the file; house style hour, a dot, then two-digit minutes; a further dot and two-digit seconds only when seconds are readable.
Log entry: 9.27
